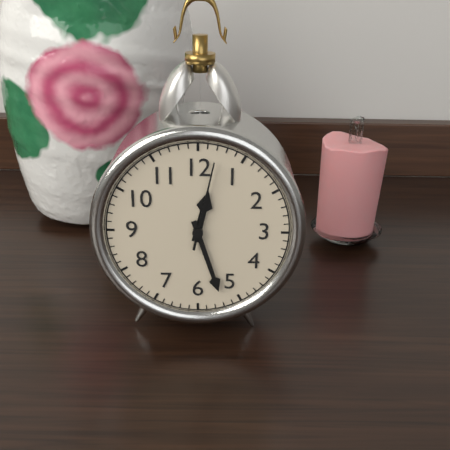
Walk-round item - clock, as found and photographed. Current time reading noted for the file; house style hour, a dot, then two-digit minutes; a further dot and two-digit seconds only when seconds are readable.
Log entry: 12.27.02
